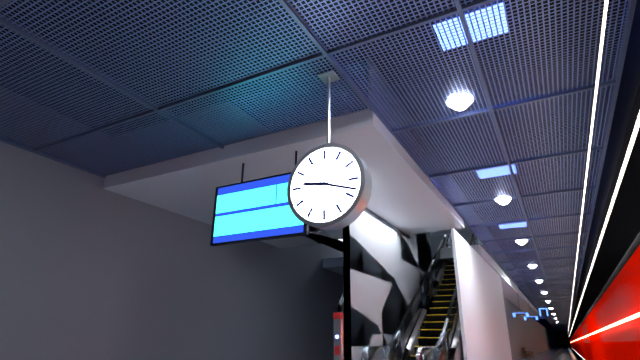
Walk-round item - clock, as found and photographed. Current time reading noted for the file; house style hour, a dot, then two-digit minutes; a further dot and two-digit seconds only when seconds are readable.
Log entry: 9.18
